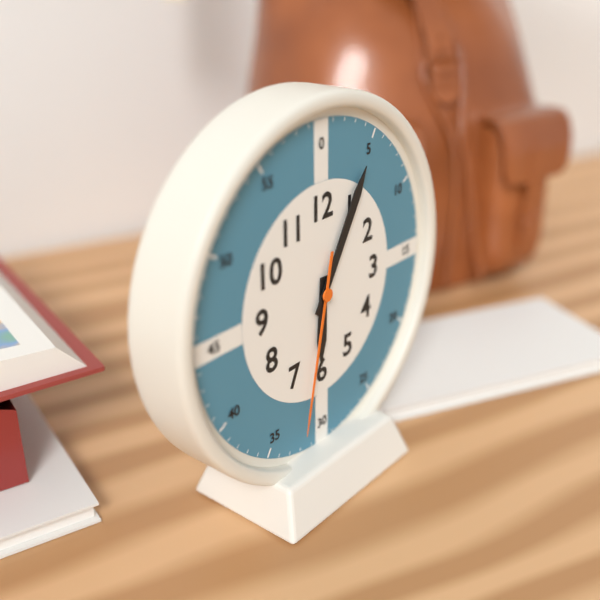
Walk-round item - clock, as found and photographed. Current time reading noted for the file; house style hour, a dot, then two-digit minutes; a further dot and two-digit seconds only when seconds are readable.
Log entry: 6.05.32
